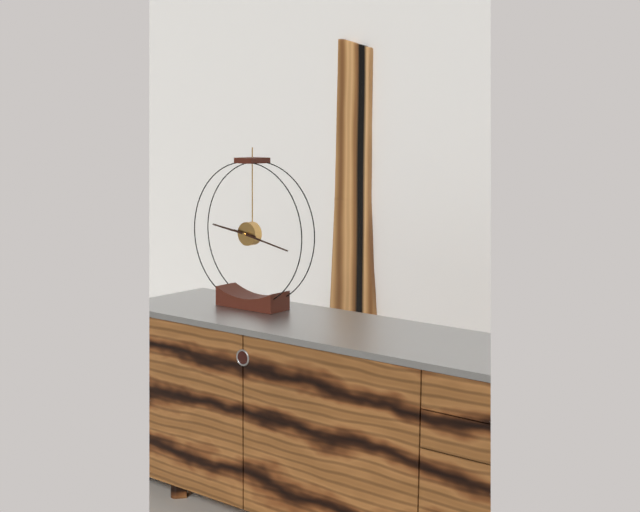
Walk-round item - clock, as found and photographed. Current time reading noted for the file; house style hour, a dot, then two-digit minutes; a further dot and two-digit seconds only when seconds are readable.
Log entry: 9.17
